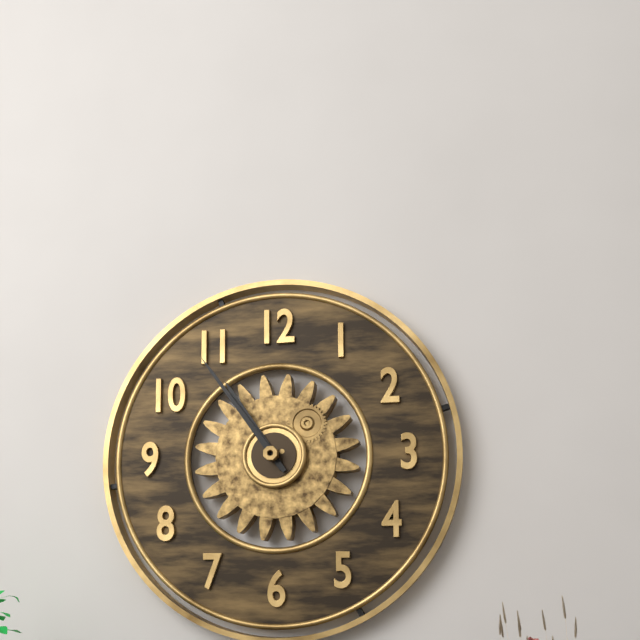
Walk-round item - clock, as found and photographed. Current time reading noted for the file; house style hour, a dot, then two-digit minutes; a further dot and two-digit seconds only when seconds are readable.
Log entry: 10.54
